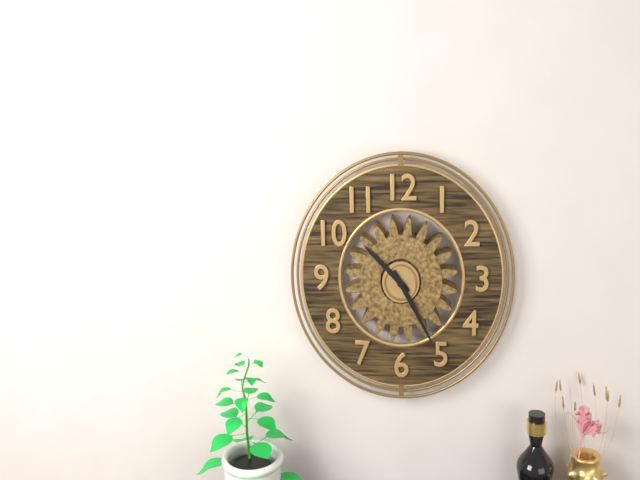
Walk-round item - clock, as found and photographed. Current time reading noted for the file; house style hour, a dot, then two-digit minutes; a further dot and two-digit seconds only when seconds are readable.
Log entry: 10.25
